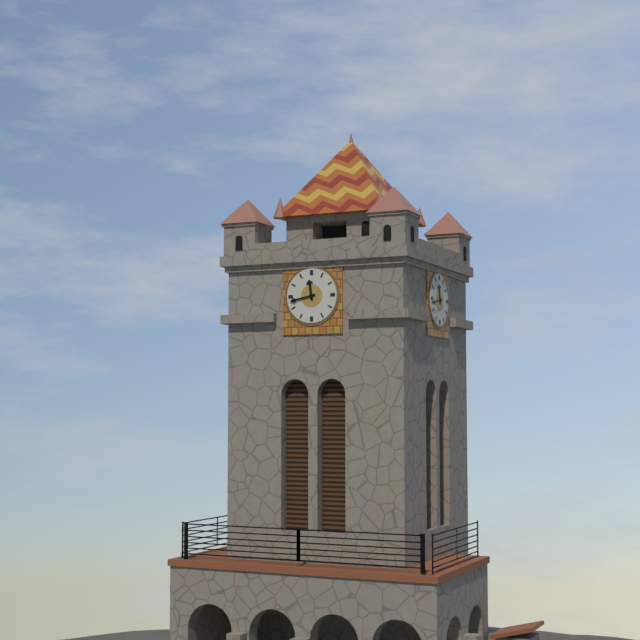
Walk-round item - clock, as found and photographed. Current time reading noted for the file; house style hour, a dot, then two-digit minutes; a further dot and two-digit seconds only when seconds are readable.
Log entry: 11.43
